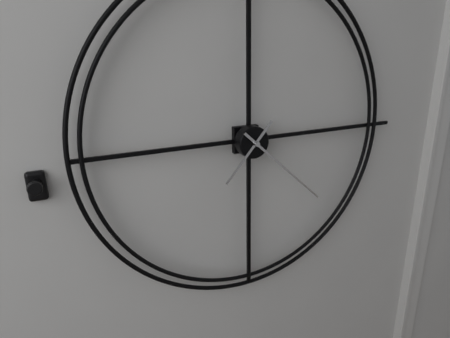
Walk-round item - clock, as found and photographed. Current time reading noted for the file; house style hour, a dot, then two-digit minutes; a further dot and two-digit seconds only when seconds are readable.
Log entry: 7.22
